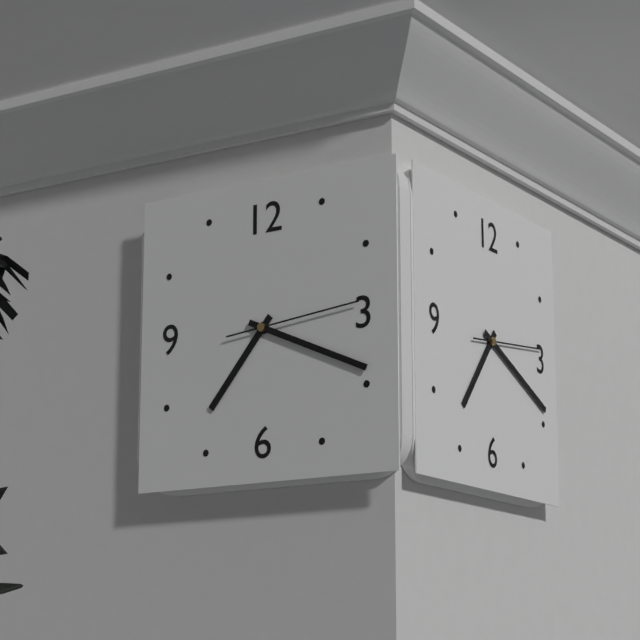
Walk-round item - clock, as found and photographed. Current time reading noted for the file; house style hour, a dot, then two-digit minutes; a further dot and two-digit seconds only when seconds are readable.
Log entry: 7.19.14
